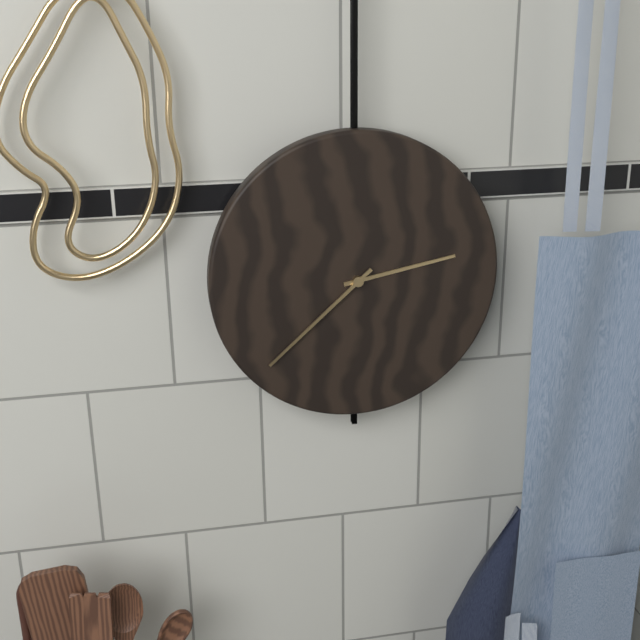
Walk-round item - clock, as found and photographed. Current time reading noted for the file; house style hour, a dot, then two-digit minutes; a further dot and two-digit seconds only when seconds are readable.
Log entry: 2.38
